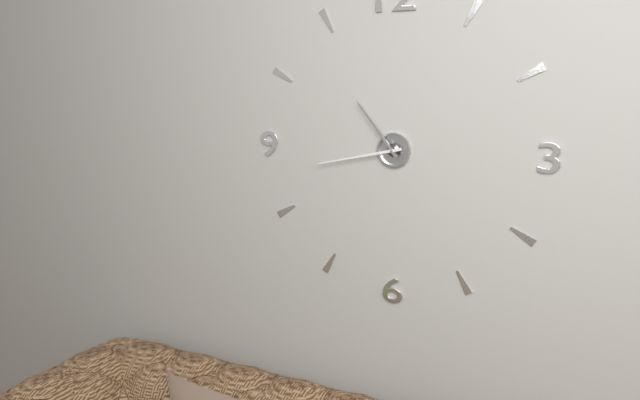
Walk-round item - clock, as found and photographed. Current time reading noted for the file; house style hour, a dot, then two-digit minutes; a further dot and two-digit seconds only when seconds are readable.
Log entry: 10.43
